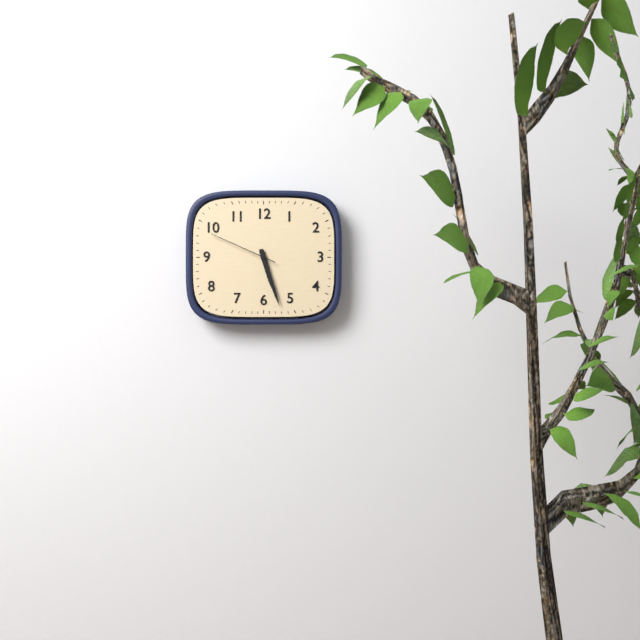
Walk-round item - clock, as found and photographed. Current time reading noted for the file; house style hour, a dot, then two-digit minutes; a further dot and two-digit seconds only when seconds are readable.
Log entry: 5.27.49
